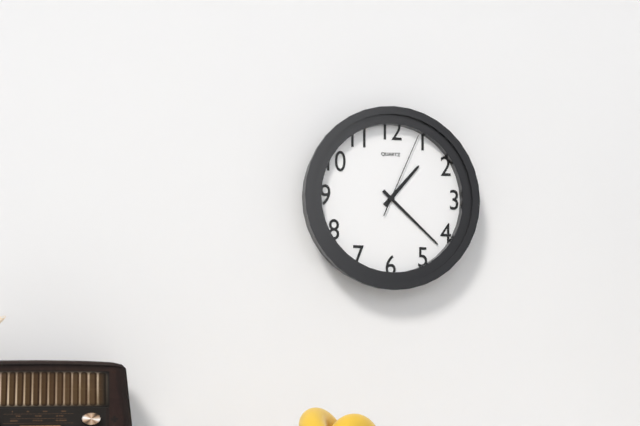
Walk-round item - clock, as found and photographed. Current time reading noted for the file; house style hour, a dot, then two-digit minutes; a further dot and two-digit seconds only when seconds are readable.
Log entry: 1.22.04
